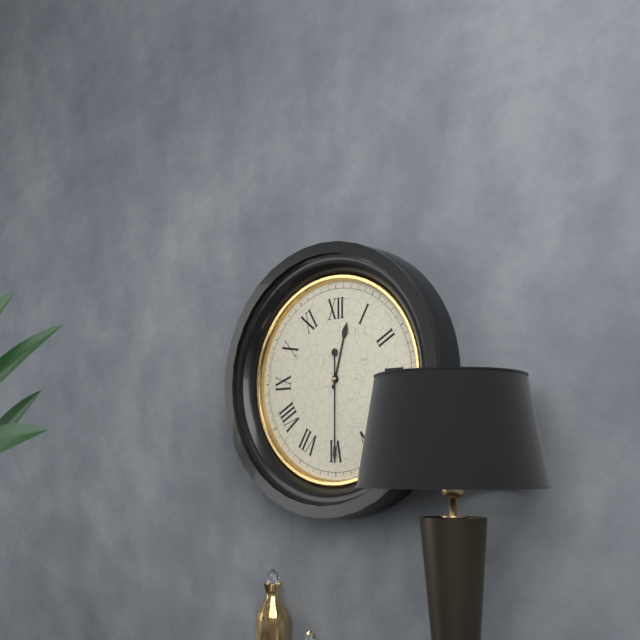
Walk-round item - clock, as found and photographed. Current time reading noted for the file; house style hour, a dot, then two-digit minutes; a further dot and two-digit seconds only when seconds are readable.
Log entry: 12.30
